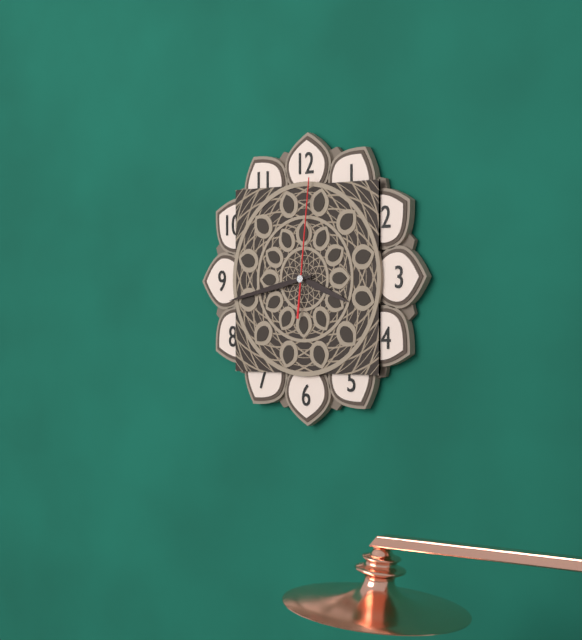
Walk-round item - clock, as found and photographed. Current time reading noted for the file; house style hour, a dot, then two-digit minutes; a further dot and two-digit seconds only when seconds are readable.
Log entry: 3.43.01
